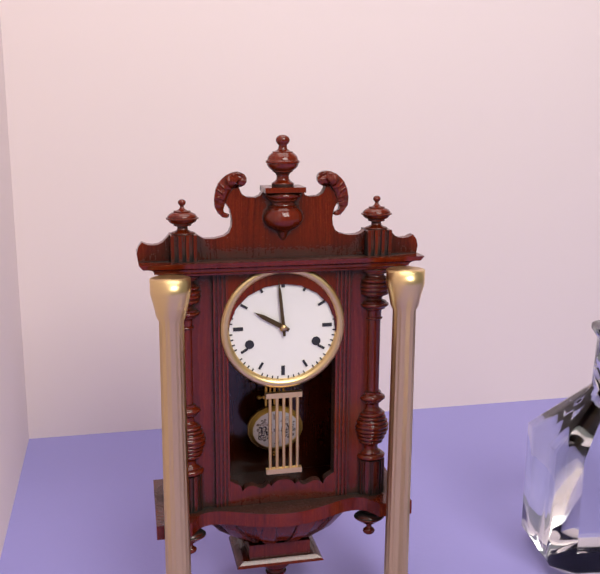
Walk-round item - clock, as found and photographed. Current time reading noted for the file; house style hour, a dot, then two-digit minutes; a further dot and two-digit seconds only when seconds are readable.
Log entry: 9.59
